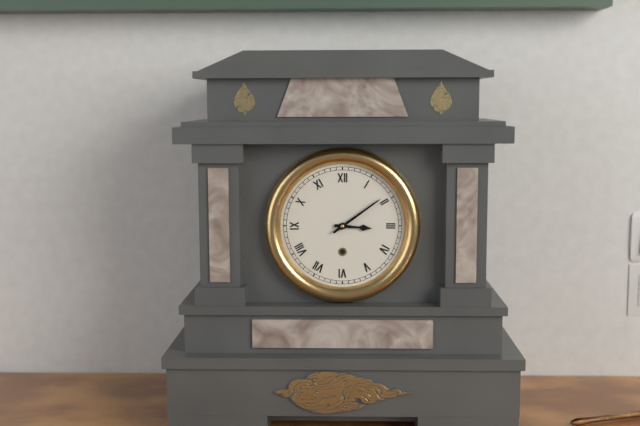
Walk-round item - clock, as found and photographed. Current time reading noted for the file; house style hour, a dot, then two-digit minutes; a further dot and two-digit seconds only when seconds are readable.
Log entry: 3.09
